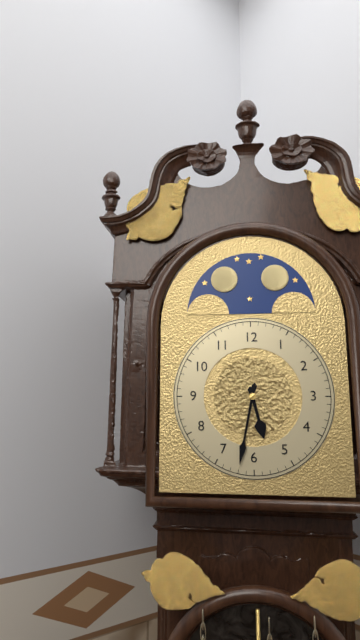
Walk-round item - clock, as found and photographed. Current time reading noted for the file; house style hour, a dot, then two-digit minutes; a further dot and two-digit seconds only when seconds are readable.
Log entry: 5.32
